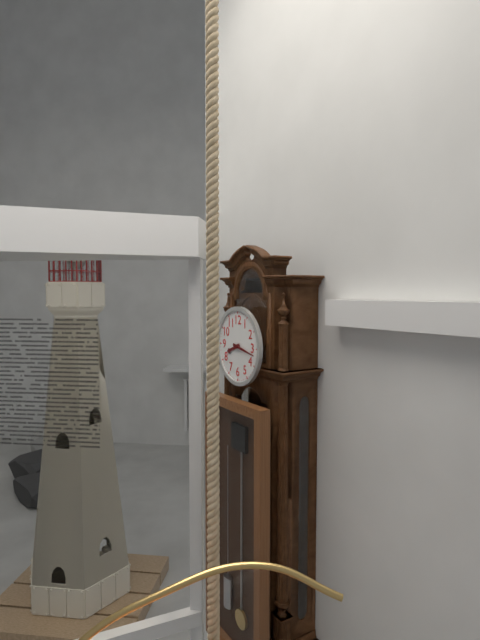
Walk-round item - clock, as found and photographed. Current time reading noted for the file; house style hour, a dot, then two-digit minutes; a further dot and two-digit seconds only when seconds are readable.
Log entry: 8.17
